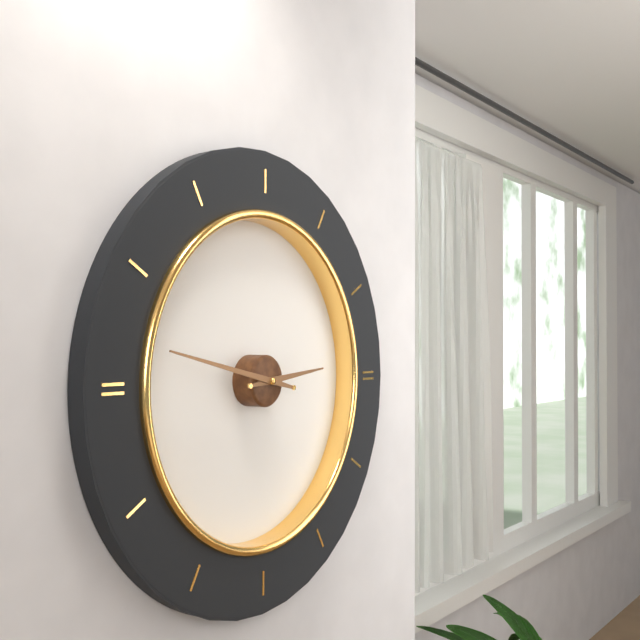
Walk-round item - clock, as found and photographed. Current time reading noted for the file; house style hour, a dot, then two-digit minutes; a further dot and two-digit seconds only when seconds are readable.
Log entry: 2.47
